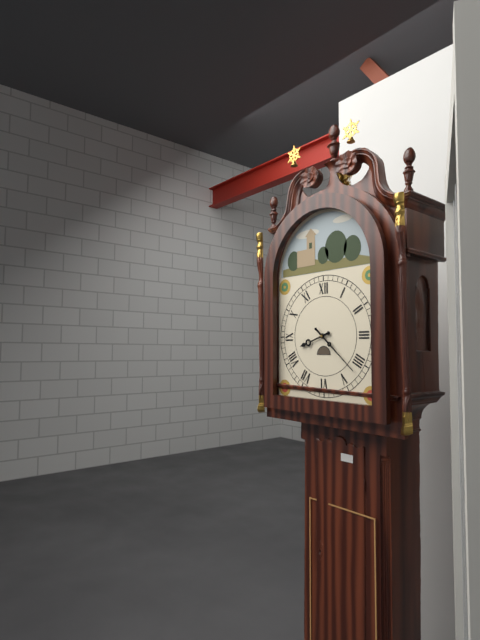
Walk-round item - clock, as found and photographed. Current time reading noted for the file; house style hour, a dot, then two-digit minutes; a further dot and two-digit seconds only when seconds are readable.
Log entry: 8.22
